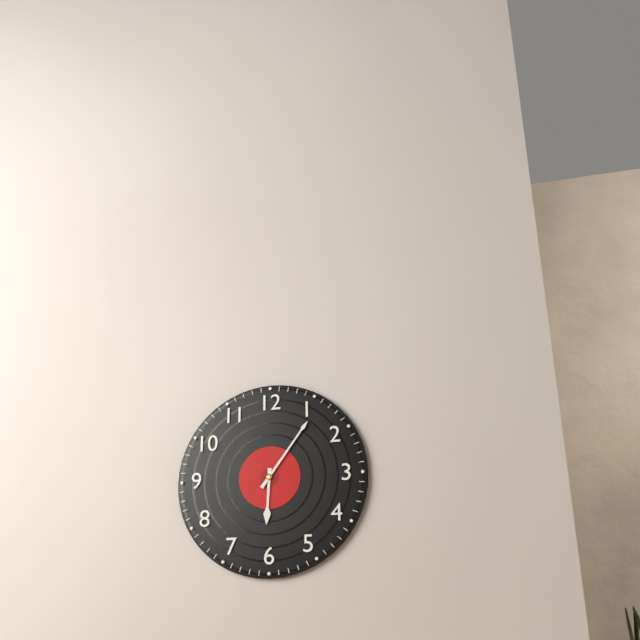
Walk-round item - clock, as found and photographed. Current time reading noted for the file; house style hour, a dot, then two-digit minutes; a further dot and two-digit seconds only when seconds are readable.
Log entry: 6.06
